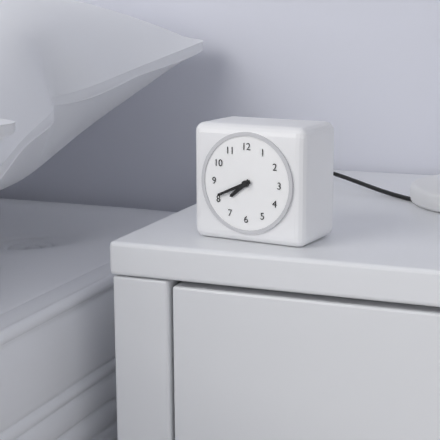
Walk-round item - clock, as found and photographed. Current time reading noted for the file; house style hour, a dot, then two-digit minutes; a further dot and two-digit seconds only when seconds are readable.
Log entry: 7.41
